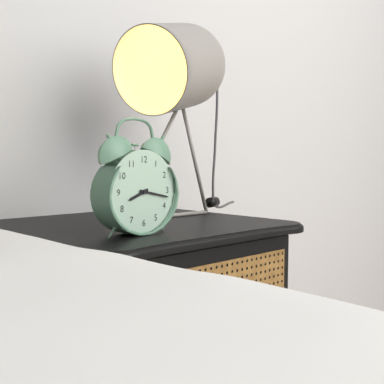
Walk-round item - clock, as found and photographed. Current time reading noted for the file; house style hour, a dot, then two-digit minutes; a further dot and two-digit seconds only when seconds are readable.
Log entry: 8.17
